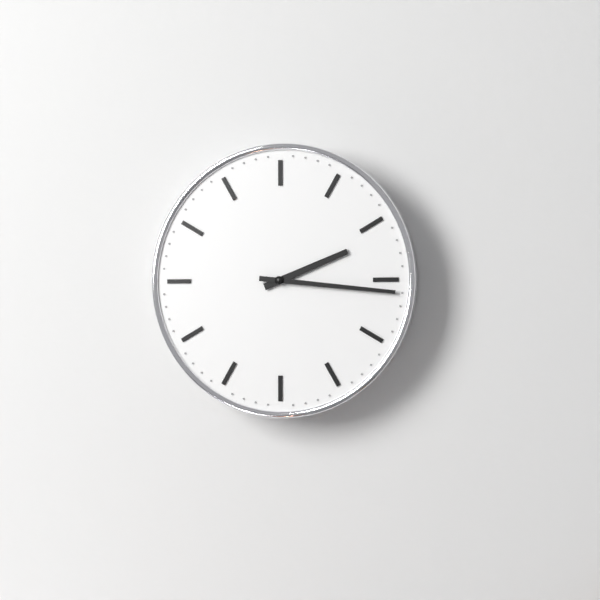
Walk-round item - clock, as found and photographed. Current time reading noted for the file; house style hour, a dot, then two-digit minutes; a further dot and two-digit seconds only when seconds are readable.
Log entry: 2.16
